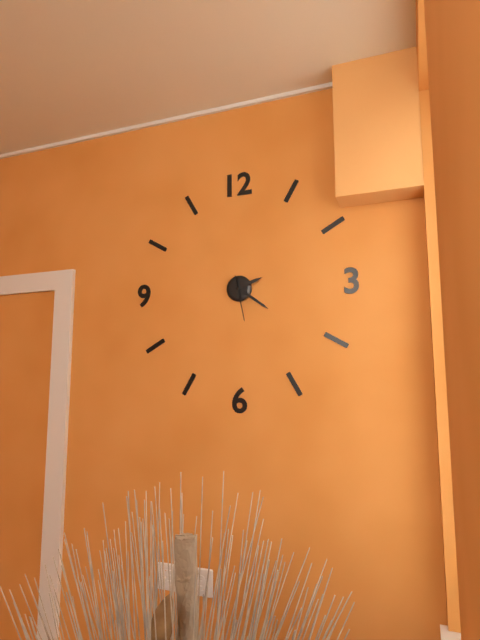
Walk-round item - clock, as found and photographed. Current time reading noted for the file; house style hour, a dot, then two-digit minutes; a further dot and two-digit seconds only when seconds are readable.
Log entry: 2.21
